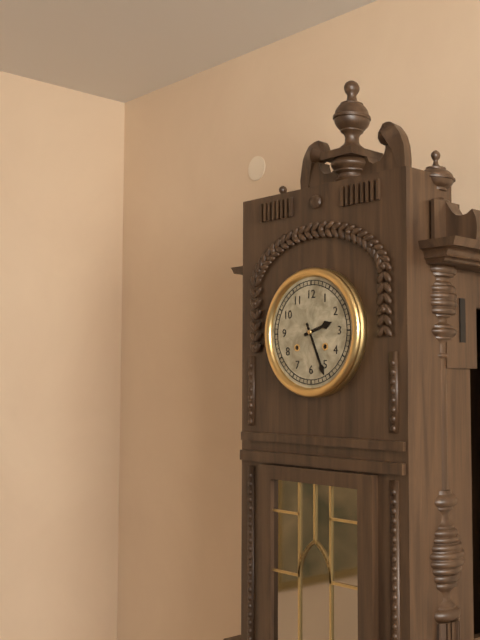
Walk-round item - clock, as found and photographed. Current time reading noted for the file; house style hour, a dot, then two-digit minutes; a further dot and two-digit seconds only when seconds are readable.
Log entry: 2.26
